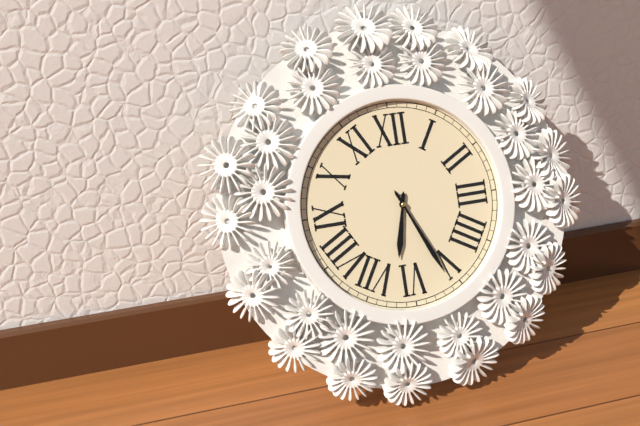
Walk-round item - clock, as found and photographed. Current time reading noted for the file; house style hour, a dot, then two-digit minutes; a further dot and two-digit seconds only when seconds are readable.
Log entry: 6.26
